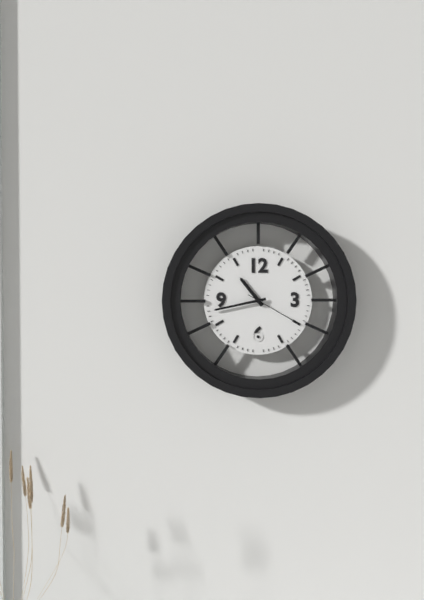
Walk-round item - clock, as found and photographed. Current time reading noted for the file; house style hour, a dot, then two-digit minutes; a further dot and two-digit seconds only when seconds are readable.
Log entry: 10.43.20
